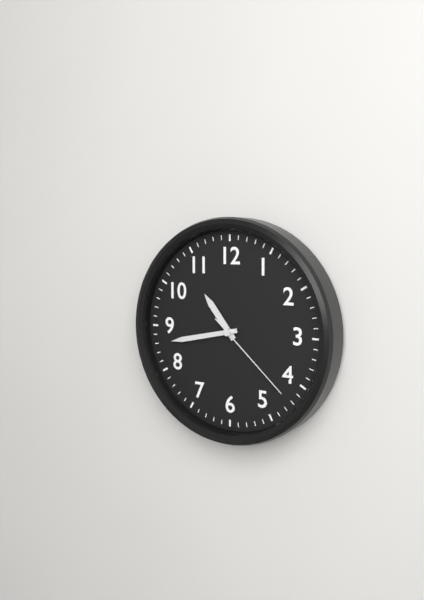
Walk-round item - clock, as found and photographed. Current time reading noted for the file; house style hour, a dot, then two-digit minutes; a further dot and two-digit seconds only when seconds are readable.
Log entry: 10.43.22
